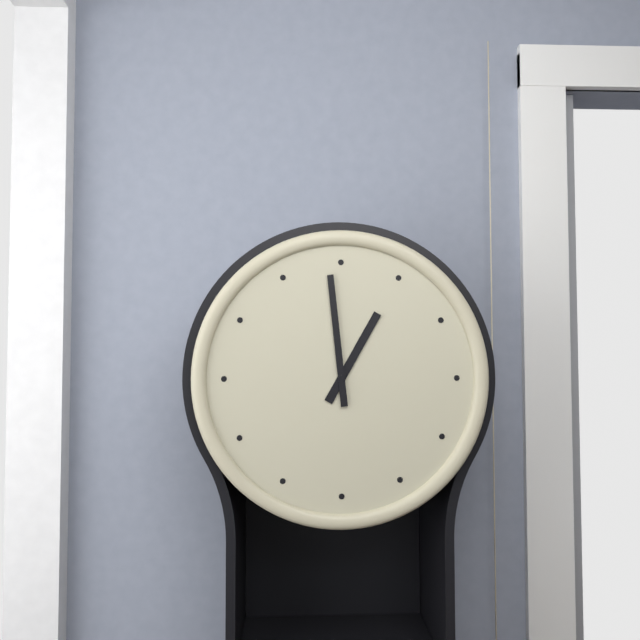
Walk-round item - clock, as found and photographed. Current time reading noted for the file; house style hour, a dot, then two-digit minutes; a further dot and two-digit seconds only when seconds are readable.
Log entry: 12.59
